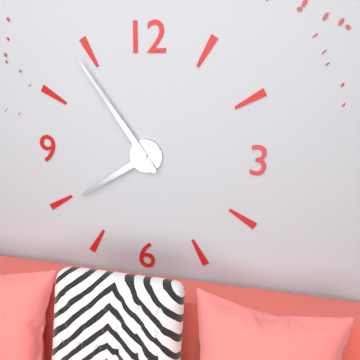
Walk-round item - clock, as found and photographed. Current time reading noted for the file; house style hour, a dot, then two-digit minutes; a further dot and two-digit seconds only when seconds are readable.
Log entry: 7.54
